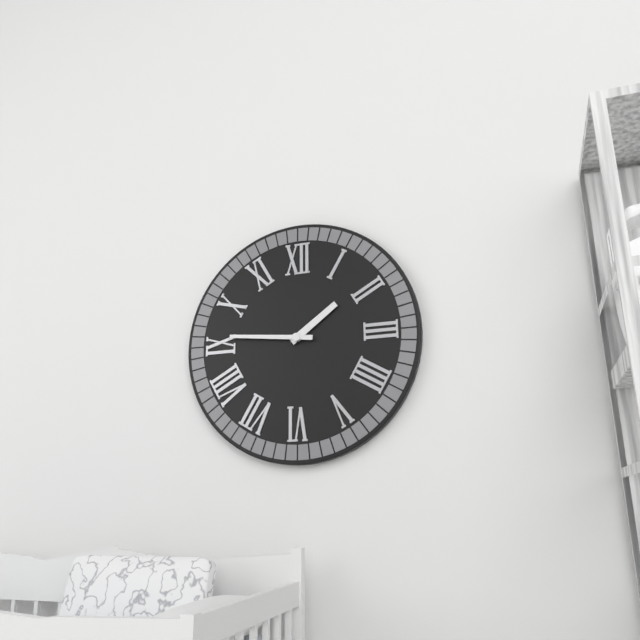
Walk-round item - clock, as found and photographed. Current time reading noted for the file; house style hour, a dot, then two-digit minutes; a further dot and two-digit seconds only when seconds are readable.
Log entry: 1.46
